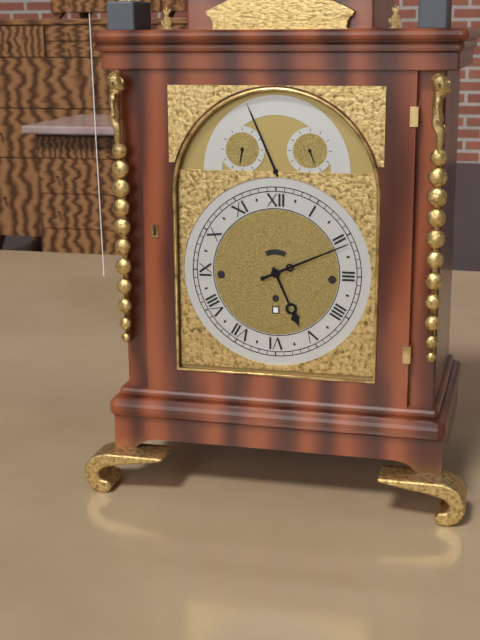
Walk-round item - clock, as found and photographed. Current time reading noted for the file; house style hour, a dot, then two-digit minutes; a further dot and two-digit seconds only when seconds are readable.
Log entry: 5.11
